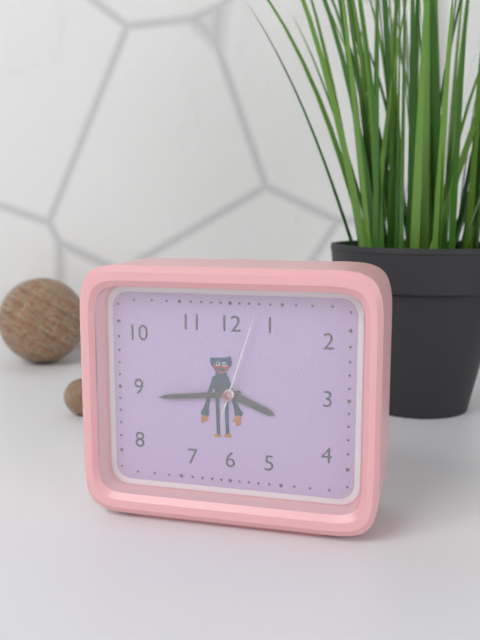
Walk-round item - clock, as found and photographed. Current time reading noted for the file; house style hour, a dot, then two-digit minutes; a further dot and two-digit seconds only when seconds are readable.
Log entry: 3.44.03
